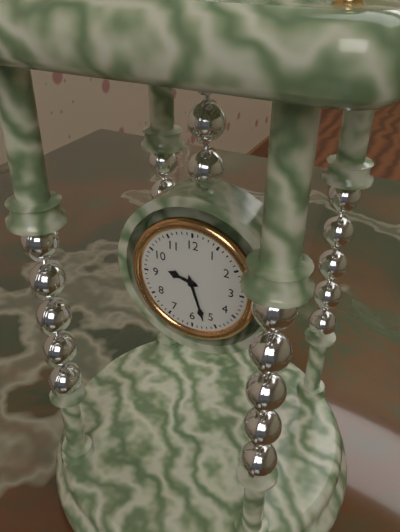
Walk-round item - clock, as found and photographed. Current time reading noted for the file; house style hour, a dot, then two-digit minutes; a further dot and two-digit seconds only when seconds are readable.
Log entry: 9.27
